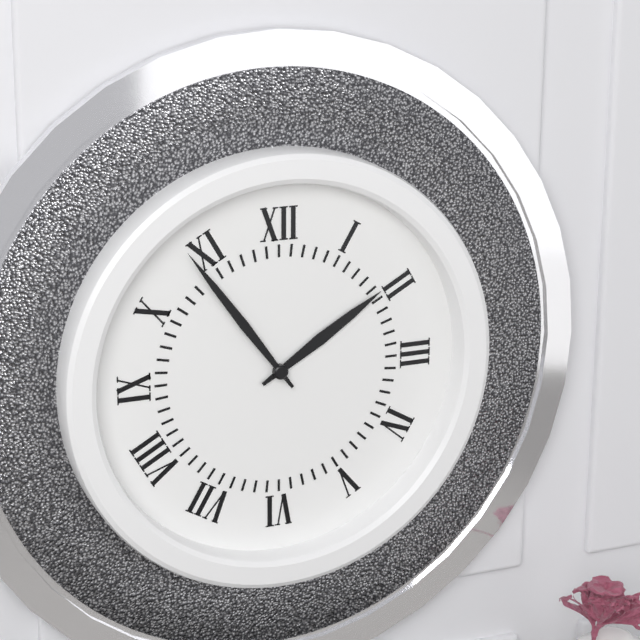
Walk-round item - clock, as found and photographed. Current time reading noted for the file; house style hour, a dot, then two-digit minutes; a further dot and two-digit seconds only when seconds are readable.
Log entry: 1.54
